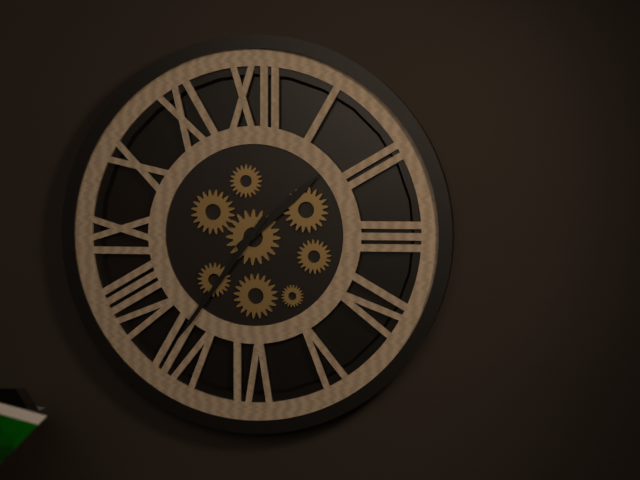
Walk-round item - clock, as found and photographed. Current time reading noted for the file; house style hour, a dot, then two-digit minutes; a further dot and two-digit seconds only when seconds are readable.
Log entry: 1.36
